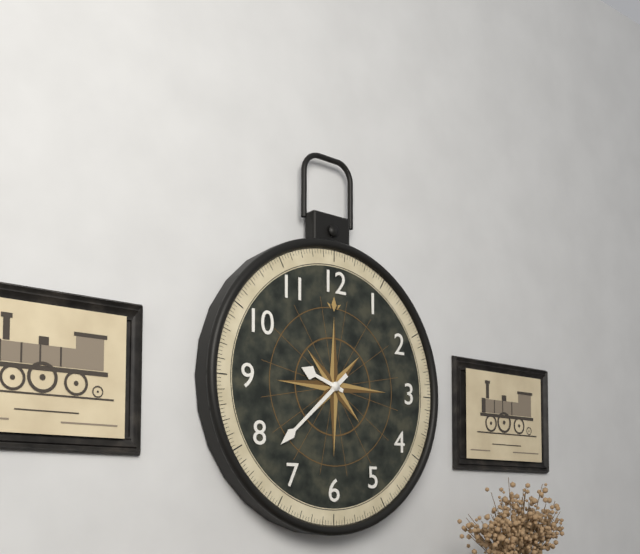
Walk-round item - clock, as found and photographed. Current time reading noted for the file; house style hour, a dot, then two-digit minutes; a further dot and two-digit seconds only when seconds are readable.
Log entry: 9.38
